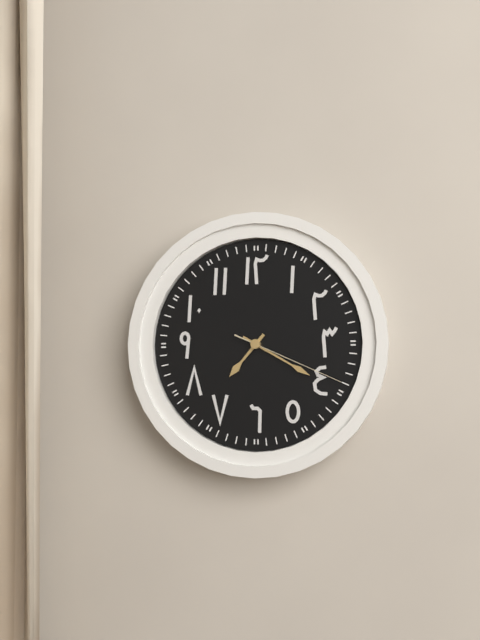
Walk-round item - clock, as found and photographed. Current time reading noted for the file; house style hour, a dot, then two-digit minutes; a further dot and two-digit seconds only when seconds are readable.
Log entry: 7.20.19
